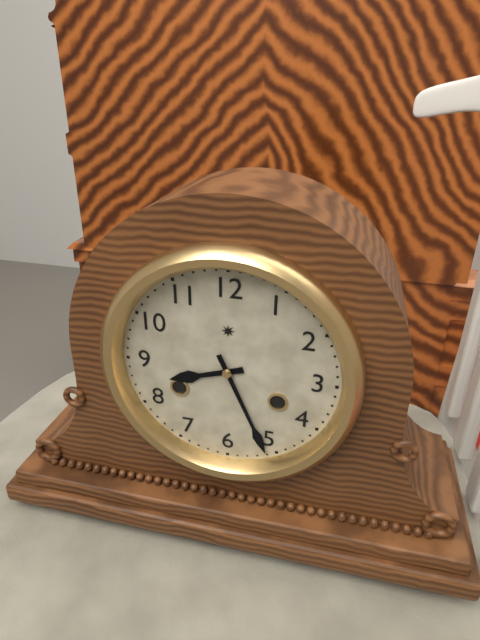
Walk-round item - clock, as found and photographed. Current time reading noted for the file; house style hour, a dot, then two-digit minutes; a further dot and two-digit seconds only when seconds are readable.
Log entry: 8.26
